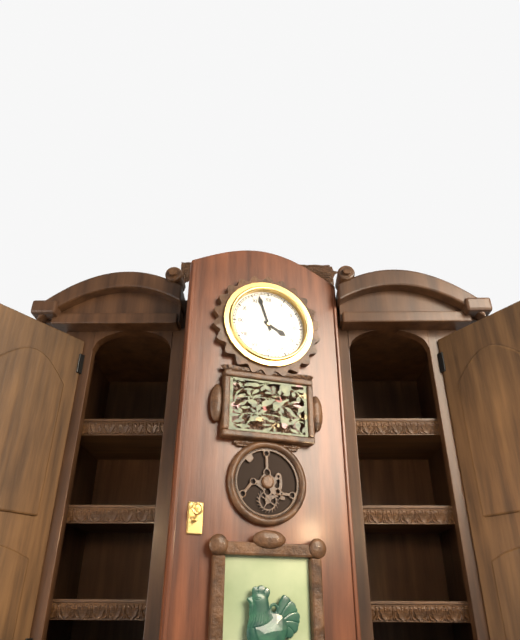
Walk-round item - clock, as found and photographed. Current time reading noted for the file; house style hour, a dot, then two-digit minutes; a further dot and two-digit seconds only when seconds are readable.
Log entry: 3.57
